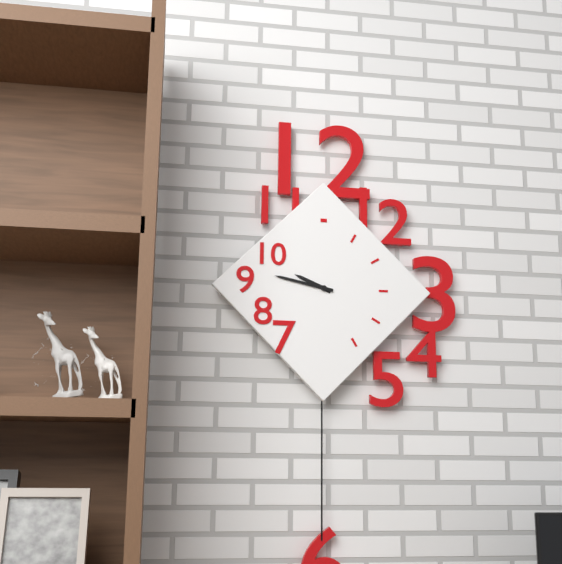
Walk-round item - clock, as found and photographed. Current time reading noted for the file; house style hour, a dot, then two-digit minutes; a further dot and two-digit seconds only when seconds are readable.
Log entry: 9.47
